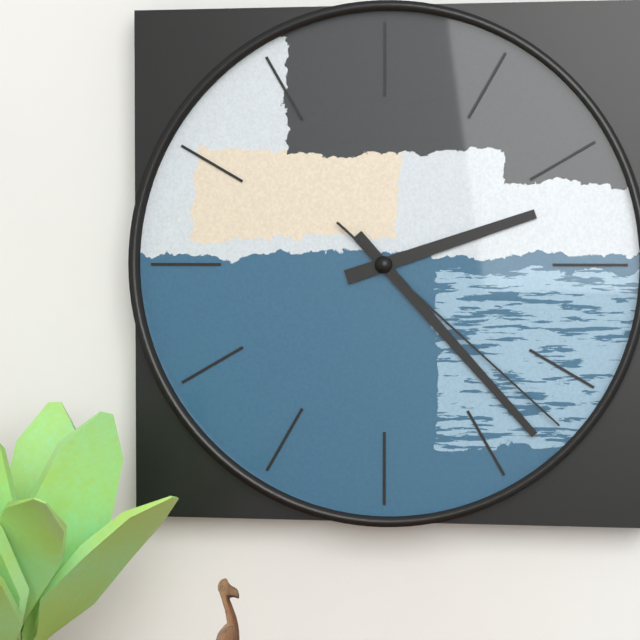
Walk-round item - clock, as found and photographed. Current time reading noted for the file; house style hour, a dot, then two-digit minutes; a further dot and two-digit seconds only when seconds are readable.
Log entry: 2.23.22
